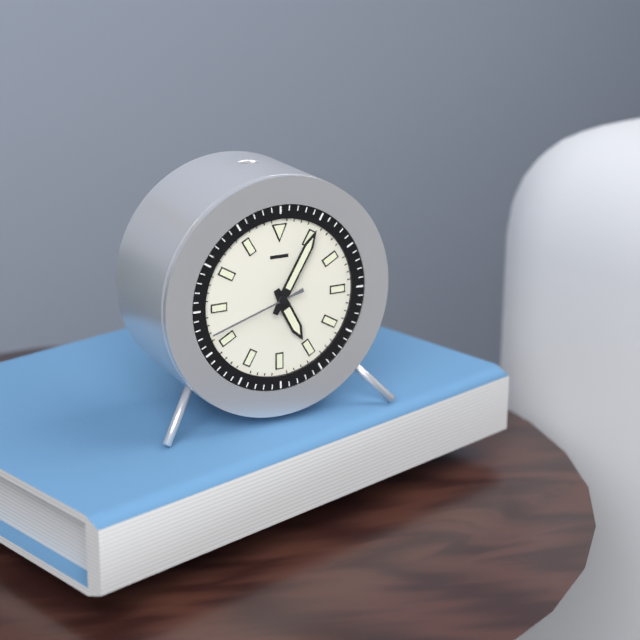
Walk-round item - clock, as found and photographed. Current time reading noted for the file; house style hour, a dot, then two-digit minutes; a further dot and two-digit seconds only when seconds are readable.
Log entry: 5.05.42
